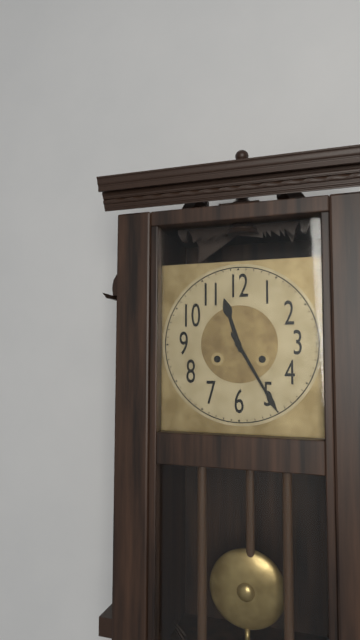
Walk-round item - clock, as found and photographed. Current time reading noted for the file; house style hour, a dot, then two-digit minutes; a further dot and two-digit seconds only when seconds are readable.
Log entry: 11.25
